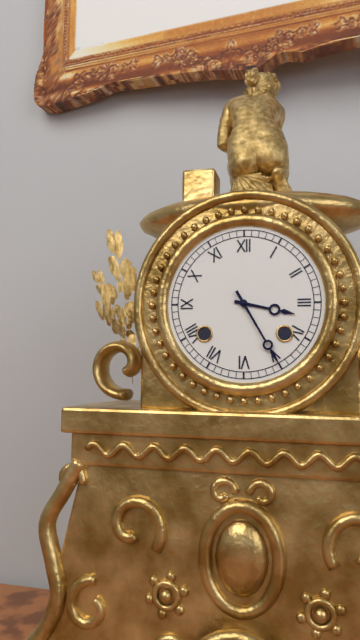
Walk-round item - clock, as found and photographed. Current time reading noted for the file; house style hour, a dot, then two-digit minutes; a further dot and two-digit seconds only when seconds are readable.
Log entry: 3.25
